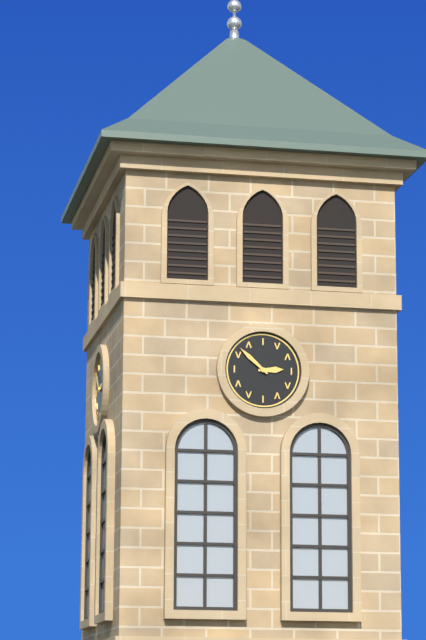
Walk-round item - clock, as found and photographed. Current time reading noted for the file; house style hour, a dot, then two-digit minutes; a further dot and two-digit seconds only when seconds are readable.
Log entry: 2.52
